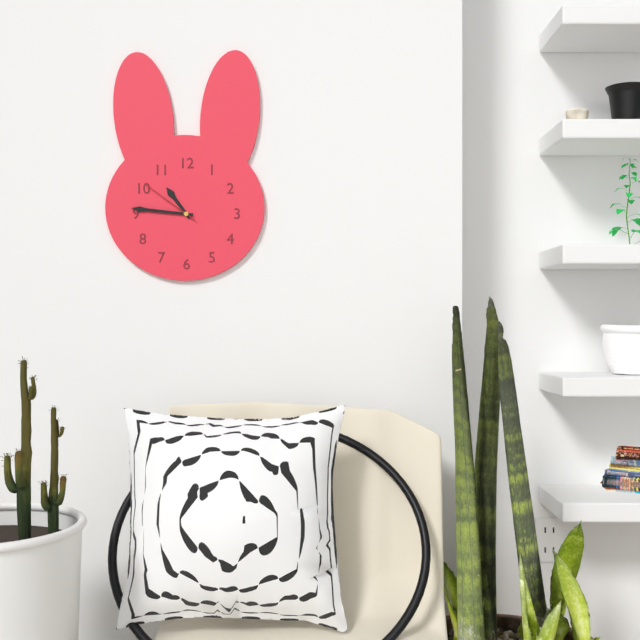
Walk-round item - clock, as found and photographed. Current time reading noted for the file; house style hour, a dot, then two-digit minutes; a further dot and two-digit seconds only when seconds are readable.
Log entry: 10.46.51
